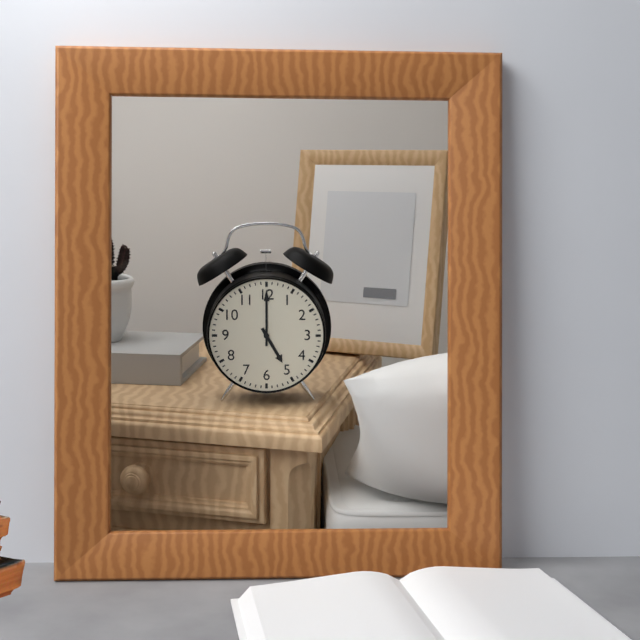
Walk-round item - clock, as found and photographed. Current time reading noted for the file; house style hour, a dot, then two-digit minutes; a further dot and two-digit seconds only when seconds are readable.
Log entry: 5.00
